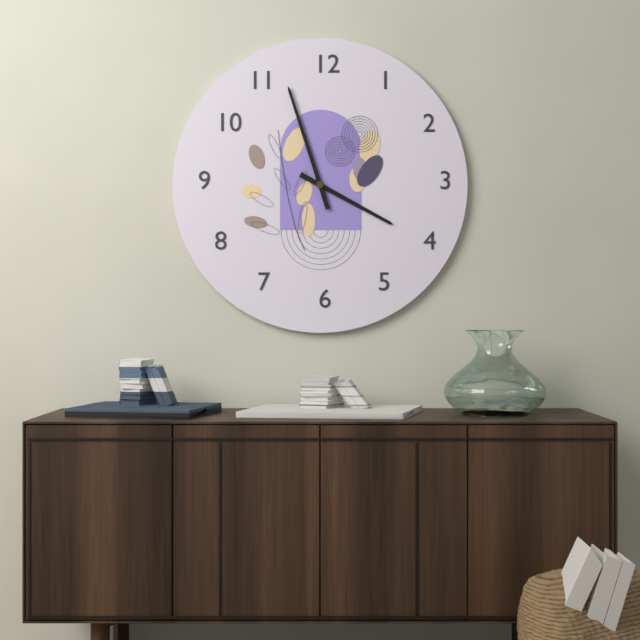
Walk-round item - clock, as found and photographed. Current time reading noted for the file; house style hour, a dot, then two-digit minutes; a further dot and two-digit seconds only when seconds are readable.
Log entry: 3.57
